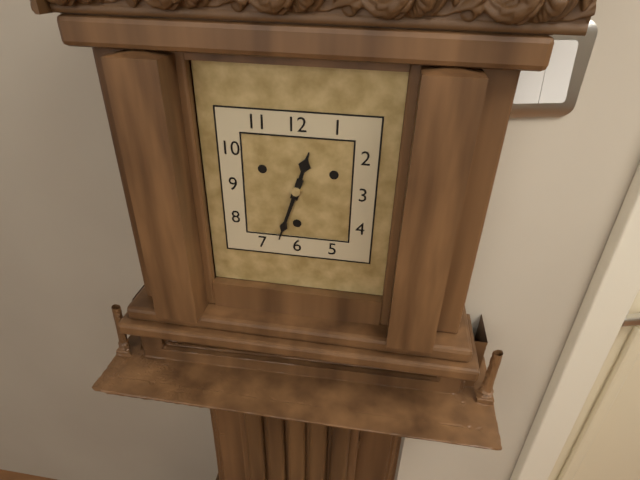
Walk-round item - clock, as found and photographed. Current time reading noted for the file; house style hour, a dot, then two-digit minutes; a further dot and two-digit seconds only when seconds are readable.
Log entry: 12.33
